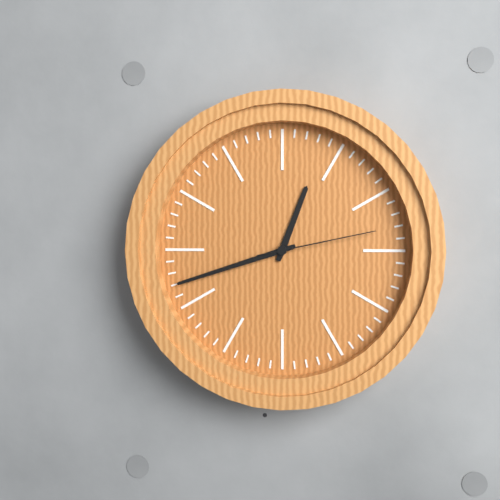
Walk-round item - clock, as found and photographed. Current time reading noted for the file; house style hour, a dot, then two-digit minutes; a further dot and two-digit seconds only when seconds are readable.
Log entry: 12.42.13
